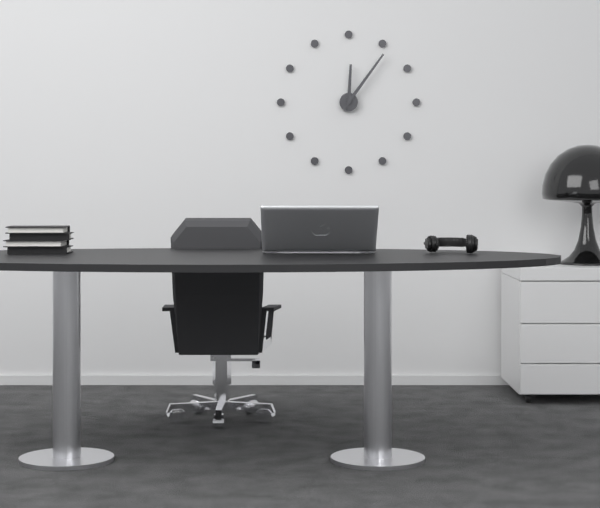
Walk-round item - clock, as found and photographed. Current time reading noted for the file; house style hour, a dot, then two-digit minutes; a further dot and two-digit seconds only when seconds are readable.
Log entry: 12.06
